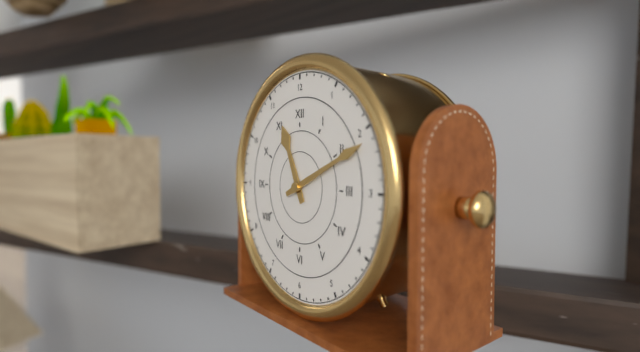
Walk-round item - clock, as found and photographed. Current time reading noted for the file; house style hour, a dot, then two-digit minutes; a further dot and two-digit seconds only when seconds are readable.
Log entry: 11.11
